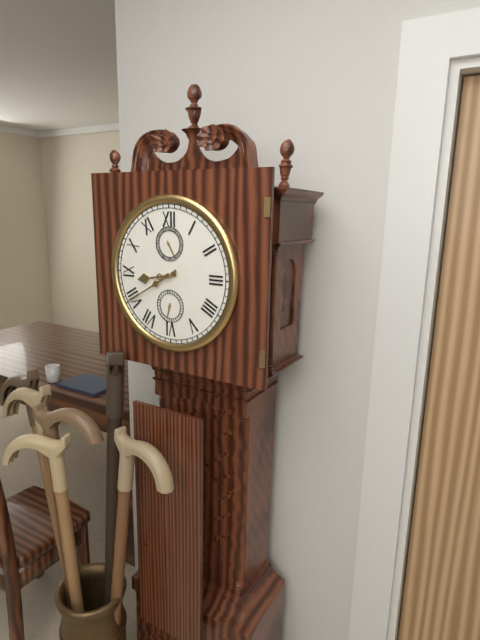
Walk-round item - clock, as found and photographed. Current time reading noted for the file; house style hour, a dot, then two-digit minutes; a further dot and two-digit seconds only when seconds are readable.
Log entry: 8.40
